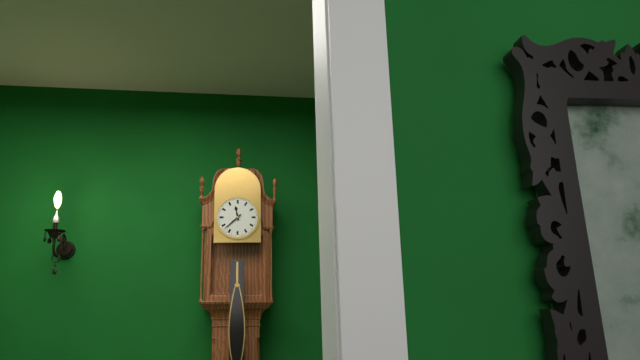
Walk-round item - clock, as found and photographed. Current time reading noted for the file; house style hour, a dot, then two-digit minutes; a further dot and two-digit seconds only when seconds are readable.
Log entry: 11.38
